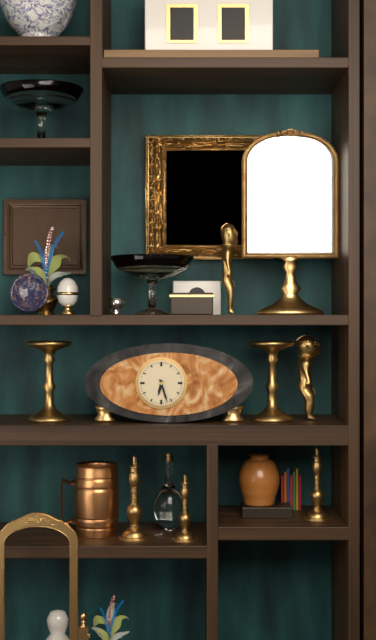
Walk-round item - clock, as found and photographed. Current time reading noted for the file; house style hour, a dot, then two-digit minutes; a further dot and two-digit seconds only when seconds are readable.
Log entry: 6.27
